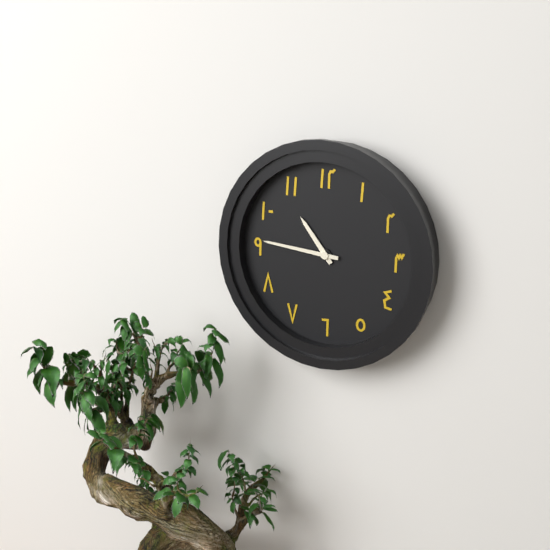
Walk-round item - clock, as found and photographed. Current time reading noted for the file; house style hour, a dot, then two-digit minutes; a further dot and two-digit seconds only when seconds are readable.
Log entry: 10.46
